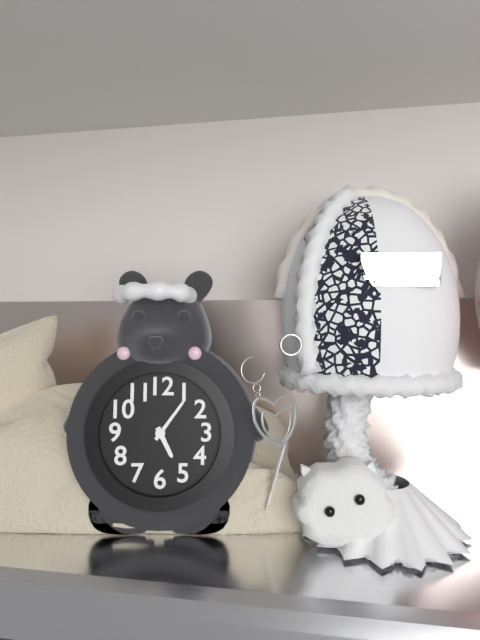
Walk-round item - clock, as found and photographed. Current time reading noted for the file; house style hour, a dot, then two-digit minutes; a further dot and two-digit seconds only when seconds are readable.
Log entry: 5.06
